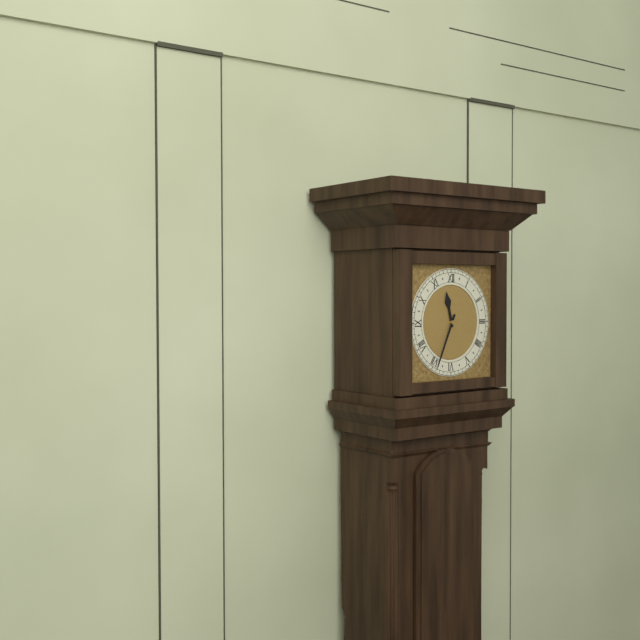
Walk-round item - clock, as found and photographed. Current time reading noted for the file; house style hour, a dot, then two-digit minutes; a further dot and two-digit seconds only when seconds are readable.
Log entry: 11.34
